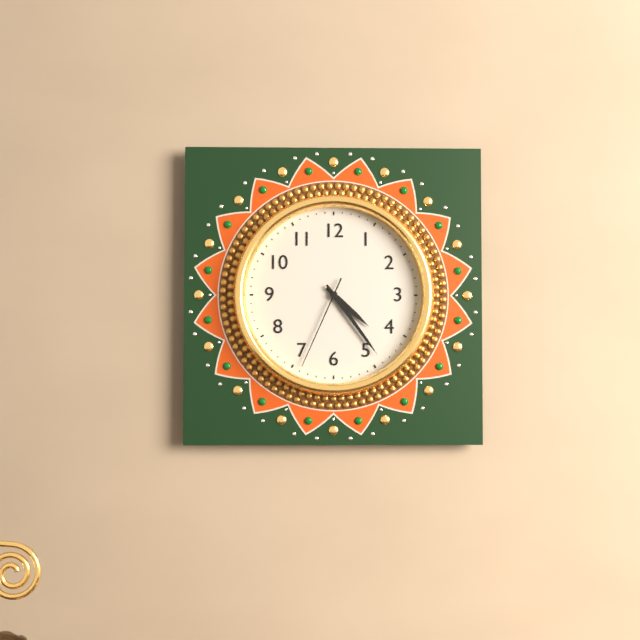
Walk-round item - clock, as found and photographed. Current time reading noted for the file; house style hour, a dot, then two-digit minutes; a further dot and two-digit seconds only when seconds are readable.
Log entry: 4.24.34
